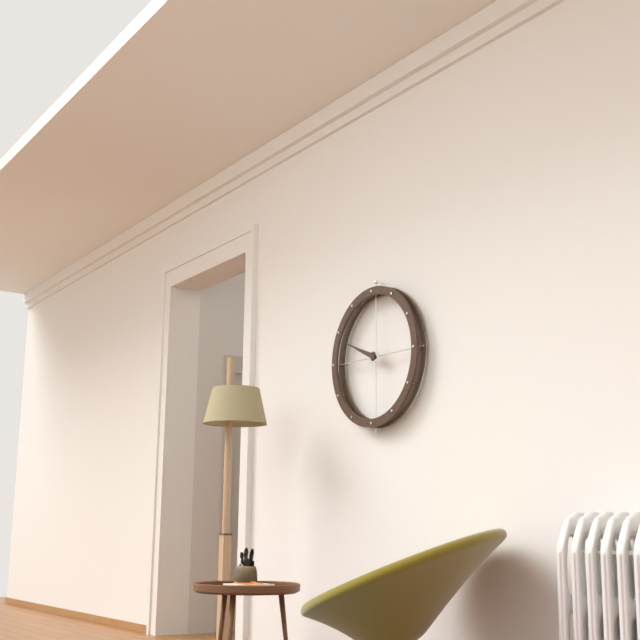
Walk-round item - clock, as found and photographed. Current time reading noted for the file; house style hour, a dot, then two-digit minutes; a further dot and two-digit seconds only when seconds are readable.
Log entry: 9.49
